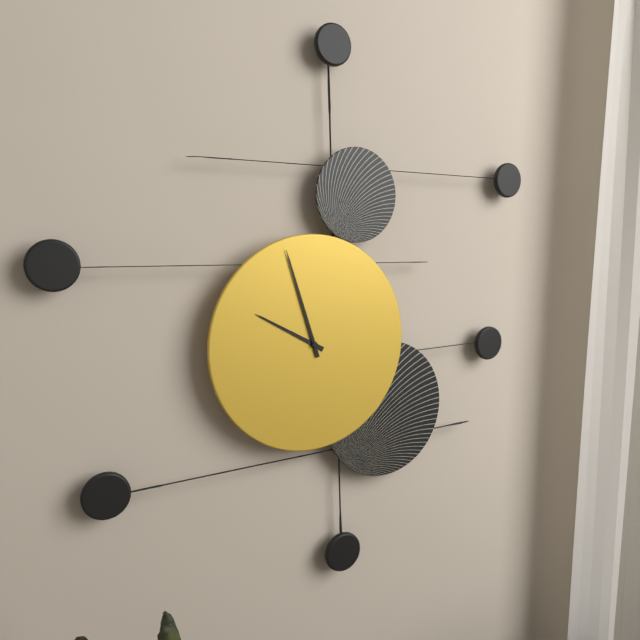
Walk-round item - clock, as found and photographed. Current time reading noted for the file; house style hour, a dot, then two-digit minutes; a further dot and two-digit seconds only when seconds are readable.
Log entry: 9.57
